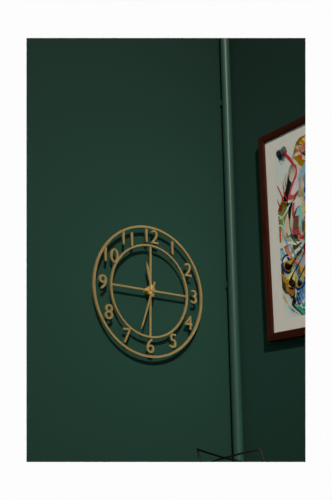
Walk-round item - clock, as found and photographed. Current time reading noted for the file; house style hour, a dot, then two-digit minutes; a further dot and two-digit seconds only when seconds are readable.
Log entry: 11.33
